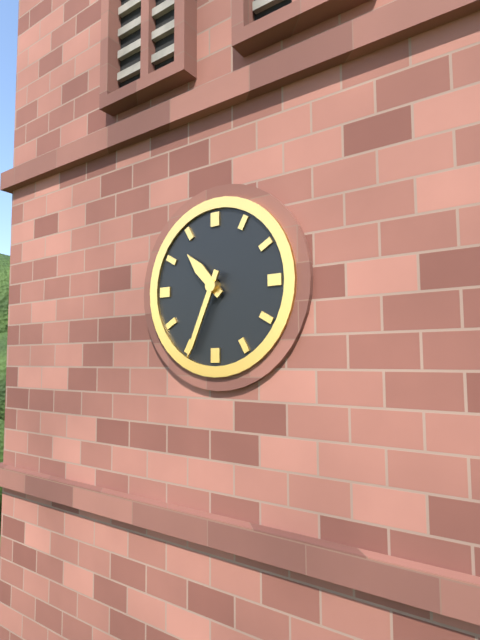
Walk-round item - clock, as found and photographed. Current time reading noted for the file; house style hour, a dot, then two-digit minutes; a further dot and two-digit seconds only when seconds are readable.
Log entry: 10.34
